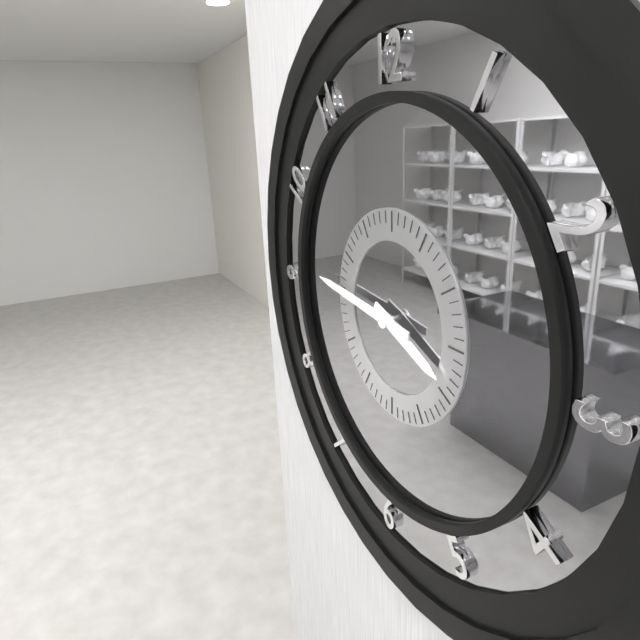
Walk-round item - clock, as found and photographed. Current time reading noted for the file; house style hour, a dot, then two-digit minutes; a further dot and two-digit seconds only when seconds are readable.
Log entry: 3.46
